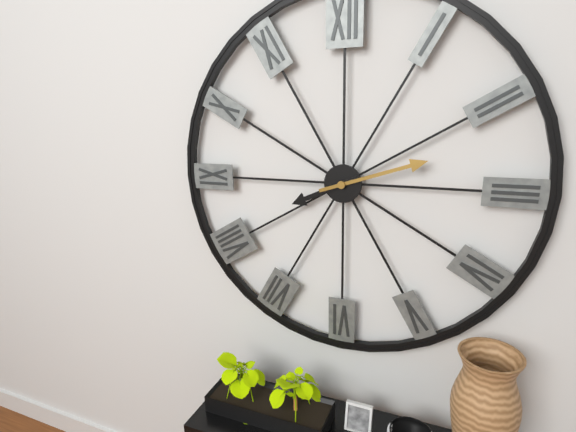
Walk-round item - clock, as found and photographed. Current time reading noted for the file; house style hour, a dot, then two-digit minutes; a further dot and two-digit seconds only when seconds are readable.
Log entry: 8.12
